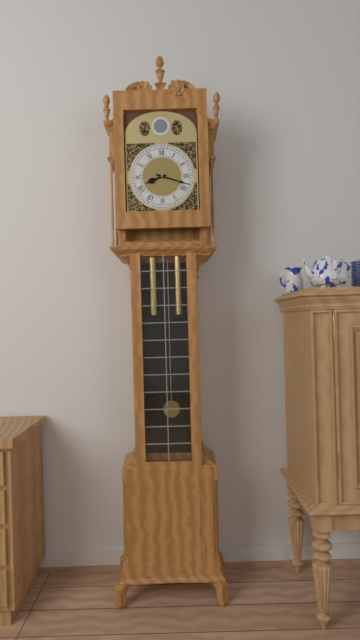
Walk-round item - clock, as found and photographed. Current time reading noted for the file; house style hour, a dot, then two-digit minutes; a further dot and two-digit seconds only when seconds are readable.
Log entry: 8.18
